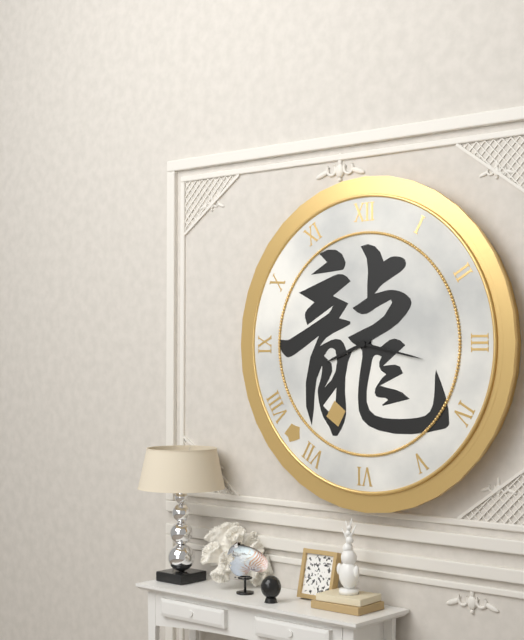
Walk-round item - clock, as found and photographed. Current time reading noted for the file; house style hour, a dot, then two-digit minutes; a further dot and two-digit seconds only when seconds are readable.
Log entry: 8.17
